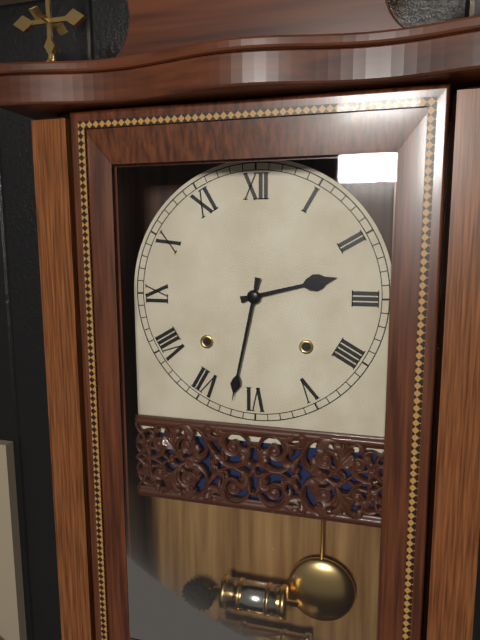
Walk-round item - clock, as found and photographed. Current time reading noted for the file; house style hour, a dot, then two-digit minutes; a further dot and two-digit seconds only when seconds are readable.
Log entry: 2.32
